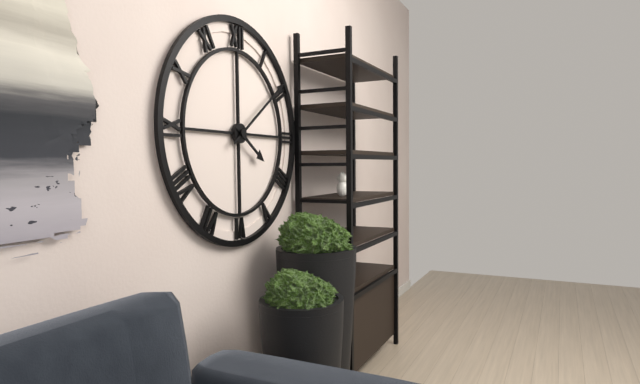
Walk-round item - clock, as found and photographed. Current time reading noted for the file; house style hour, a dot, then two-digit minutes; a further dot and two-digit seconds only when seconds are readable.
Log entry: 4.09
